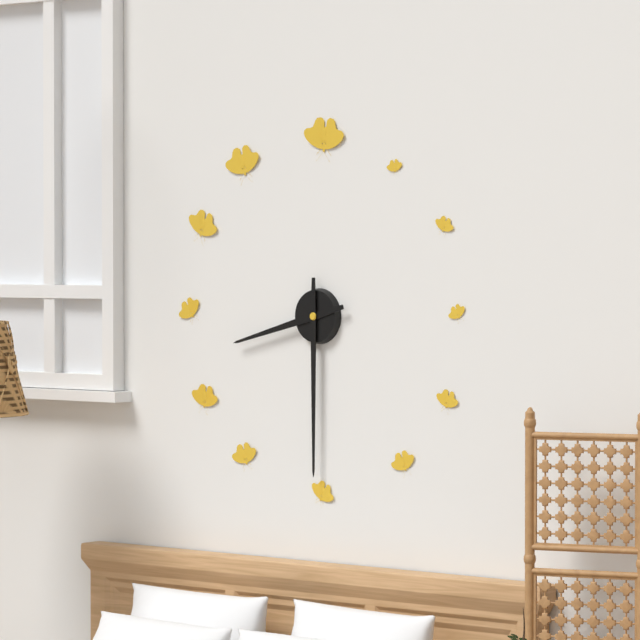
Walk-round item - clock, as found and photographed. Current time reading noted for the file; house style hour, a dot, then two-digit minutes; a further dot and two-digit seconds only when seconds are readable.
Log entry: 8.30
